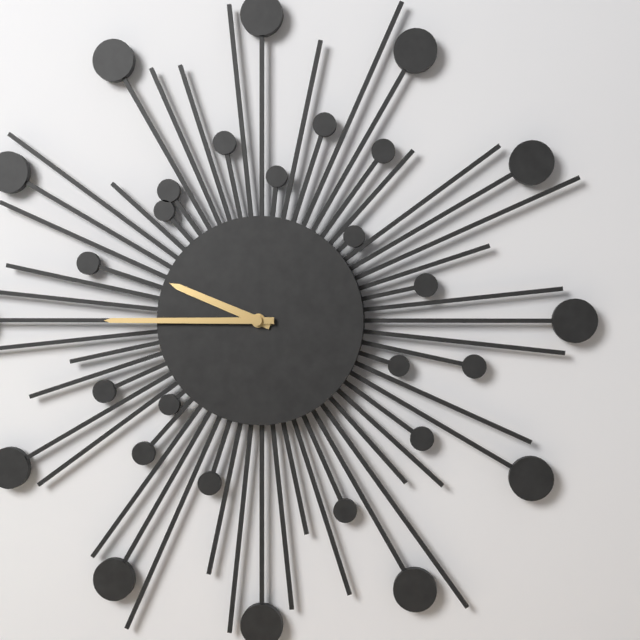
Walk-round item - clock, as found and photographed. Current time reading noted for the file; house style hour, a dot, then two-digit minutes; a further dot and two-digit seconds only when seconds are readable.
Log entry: 9.45
